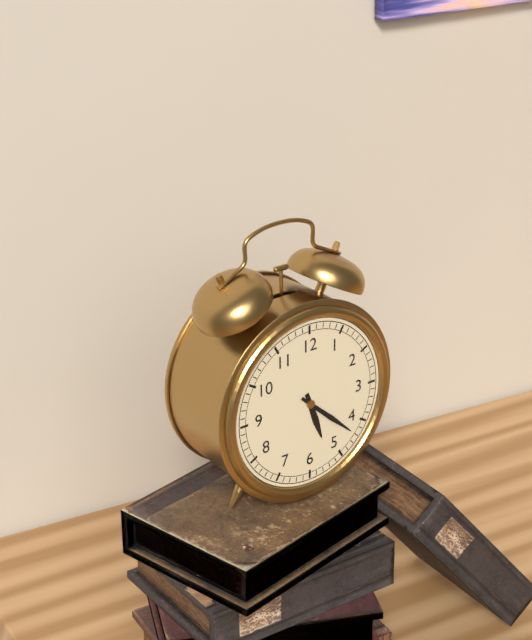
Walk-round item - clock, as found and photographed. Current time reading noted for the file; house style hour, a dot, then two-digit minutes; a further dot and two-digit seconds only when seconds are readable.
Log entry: 5.22
